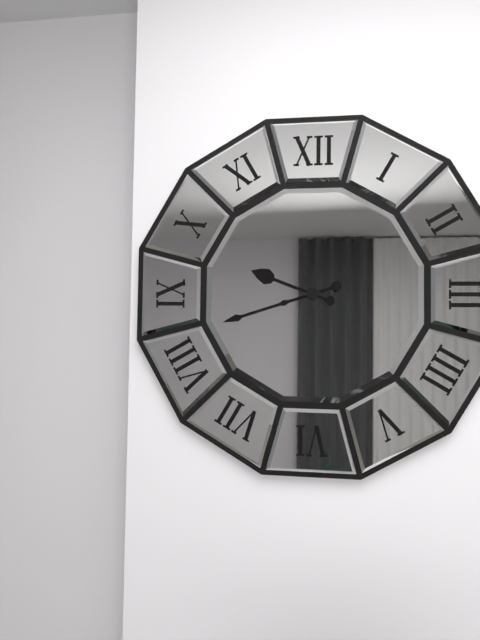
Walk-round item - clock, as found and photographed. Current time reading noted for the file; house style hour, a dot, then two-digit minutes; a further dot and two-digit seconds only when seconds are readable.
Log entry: 9.42
